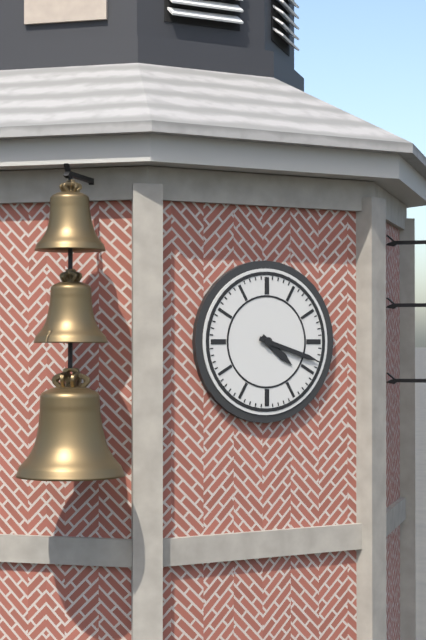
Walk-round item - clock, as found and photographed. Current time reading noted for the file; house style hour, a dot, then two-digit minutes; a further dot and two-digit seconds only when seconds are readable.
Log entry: 4.18
